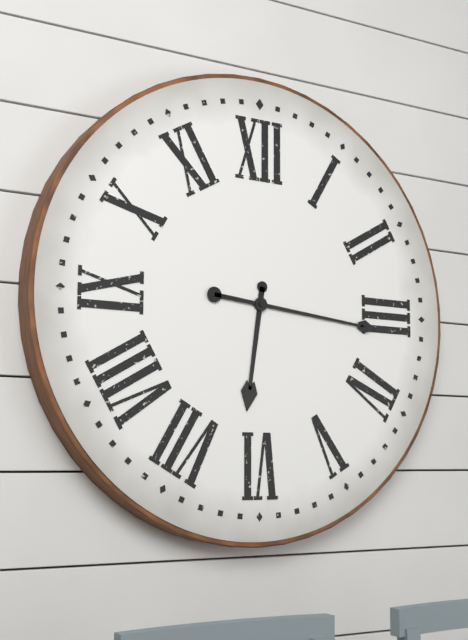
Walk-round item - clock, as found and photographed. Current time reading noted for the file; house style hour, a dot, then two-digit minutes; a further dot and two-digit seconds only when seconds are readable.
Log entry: 6.16
